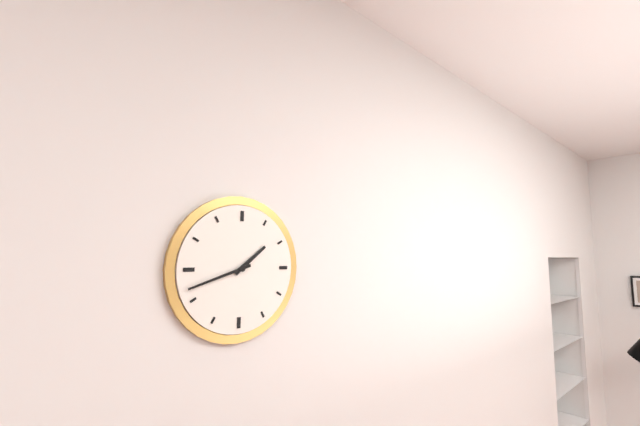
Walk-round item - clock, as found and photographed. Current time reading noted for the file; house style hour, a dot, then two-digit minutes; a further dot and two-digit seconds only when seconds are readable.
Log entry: 1.42
